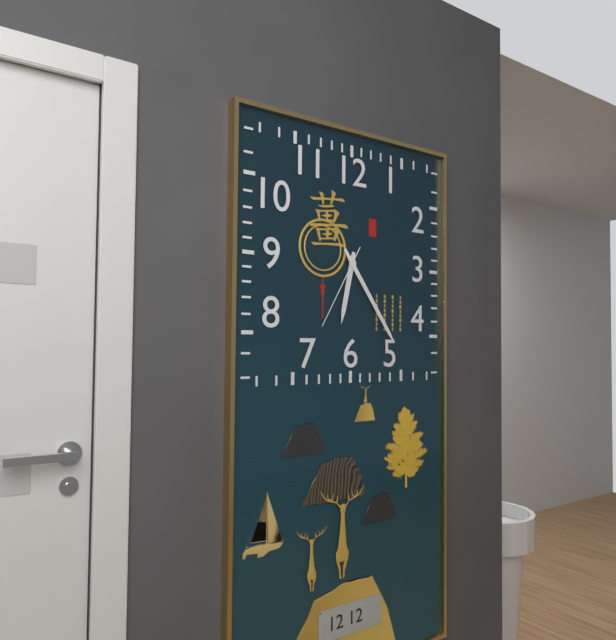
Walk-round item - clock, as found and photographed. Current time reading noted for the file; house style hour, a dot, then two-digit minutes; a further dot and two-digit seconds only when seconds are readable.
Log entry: 6.24.35
